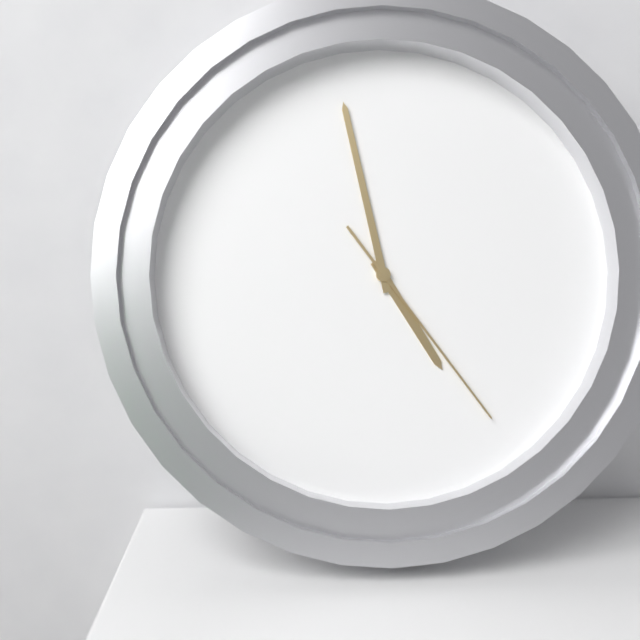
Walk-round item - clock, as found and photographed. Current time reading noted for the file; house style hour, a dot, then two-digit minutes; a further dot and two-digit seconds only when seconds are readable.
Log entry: 4.58.24
